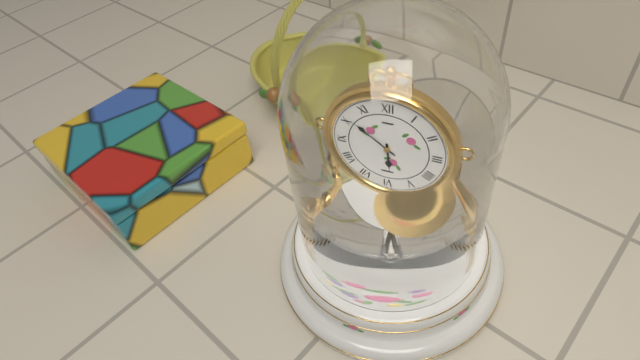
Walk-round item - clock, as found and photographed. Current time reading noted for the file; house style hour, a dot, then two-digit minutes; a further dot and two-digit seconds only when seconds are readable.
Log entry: 5.51
